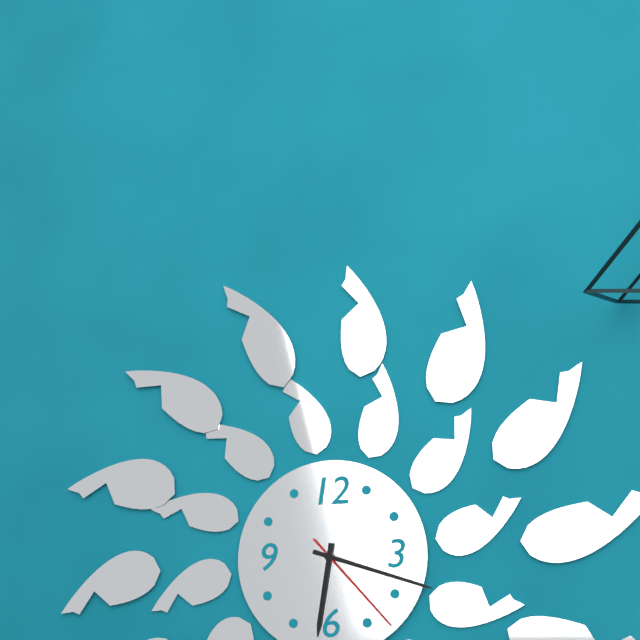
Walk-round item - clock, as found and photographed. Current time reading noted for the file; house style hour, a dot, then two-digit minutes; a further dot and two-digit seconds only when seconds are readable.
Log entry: 6.18.23
